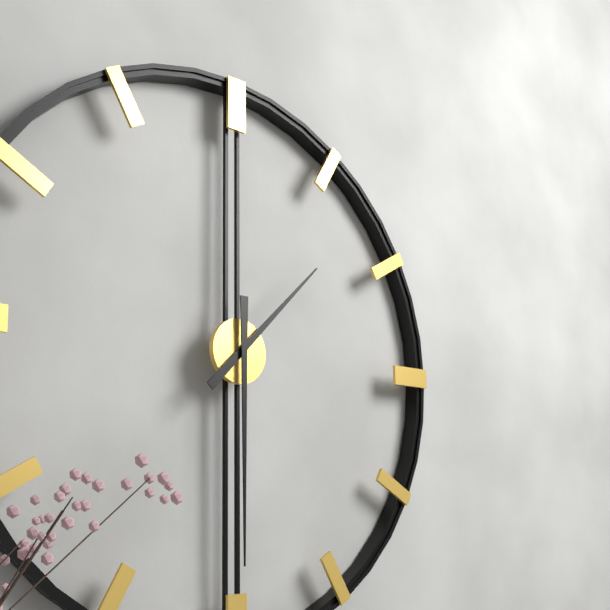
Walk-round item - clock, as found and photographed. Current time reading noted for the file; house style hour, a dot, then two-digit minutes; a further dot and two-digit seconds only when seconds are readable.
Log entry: 1.30
